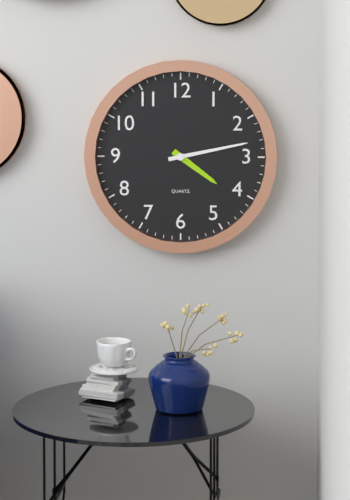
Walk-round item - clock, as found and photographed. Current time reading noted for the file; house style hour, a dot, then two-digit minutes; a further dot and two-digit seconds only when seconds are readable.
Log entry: 4.13
